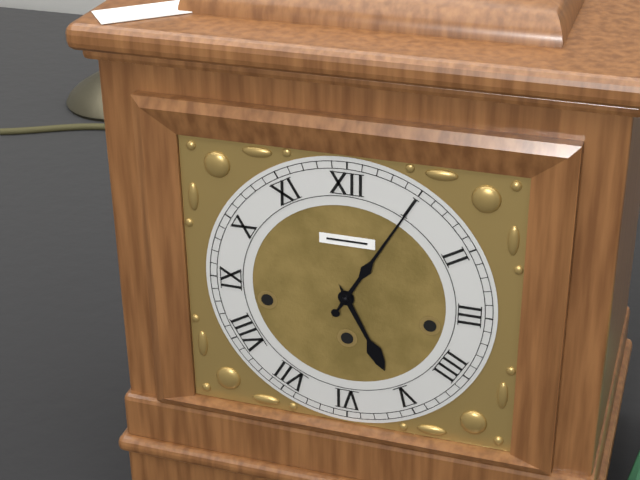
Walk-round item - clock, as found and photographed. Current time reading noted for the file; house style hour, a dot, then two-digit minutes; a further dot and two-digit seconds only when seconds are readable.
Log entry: 5.05
